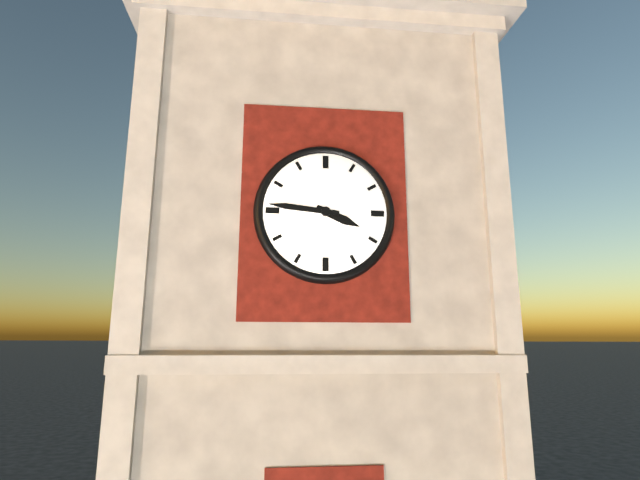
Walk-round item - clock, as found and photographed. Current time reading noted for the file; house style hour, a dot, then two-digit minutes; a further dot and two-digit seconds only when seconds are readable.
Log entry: 3.46
